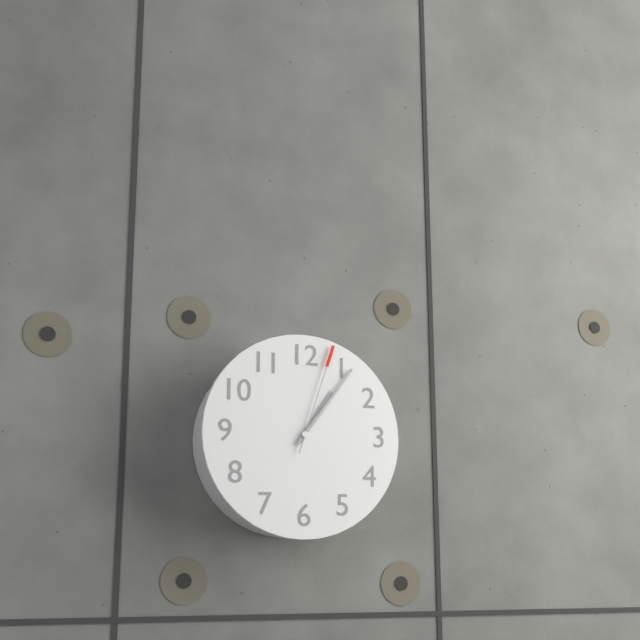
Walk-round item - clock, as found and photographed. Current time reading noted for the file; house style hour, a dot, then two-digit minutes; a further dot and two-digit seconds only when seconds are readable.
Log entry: 1.06.03
